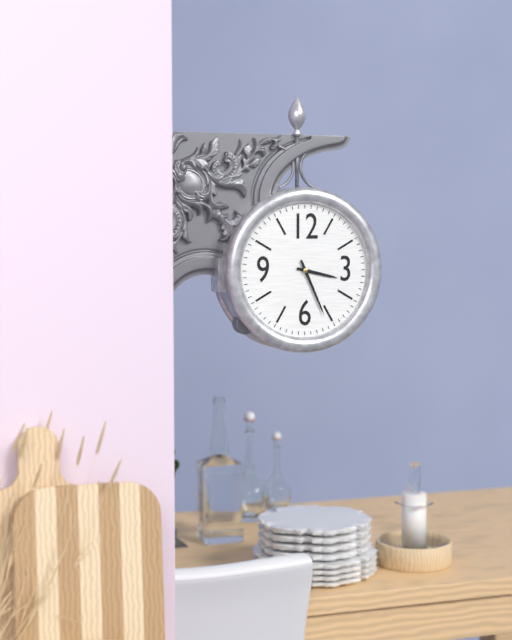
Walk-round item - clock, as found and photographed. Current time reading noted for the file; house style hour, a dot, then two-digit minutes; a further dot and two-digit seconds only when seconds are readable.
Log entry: 3.26
